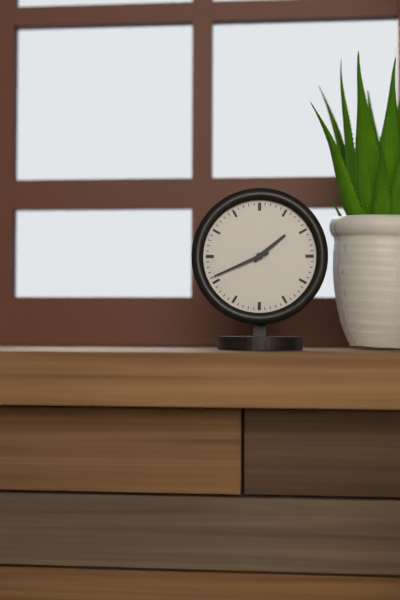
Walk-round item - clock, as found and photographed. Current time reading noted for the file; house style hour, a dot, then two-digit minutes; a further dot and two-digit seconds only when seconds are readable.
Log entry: 1.41
